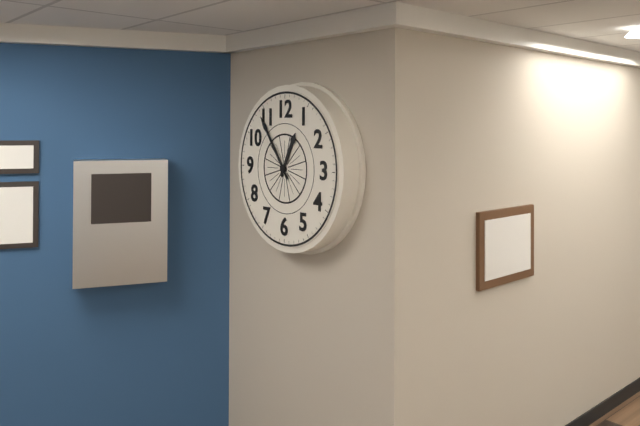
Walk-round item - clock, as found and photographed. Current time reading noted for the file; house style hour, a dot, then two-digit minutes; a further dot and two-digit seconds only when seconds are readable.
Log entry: 12.54
